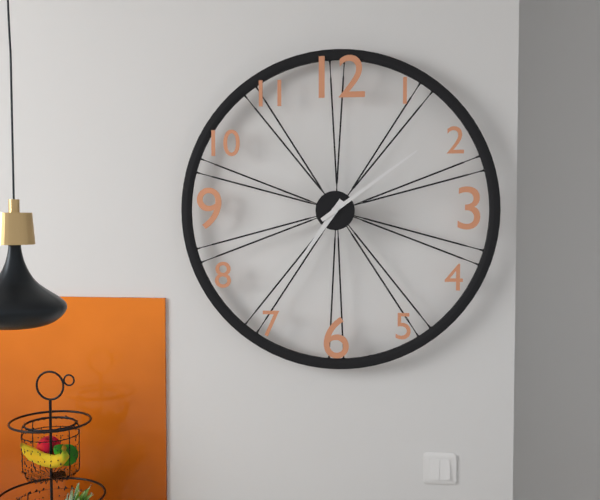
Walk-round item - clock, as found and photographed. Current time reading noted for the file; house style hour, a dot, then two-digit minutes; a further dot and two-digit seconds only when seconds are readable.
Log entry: 7.09
